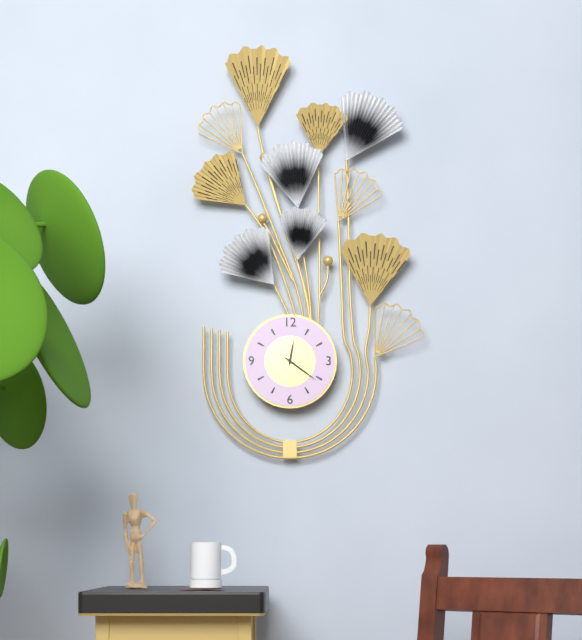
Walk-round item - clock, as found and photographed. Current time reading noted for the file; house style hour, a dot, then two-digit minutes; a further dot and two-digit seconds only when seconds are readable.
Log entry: 12.21
